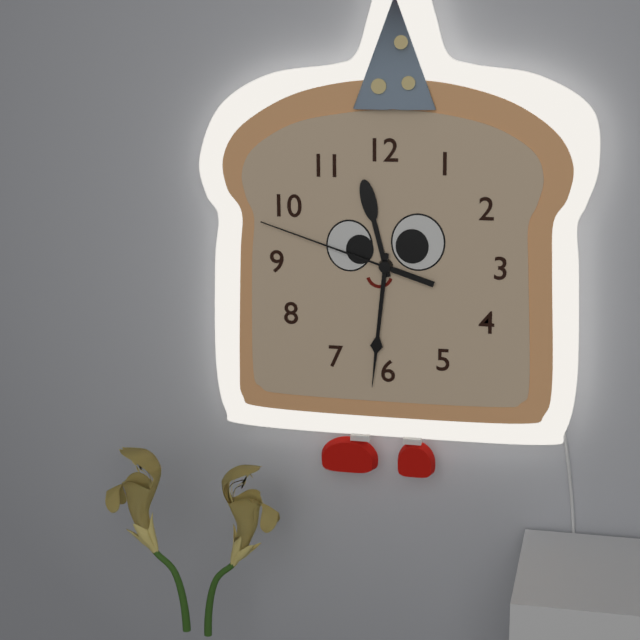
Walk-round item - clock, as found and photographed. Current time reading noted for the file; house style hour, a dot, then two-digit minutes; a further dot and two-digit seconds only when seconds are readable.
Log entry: 11.31.48
